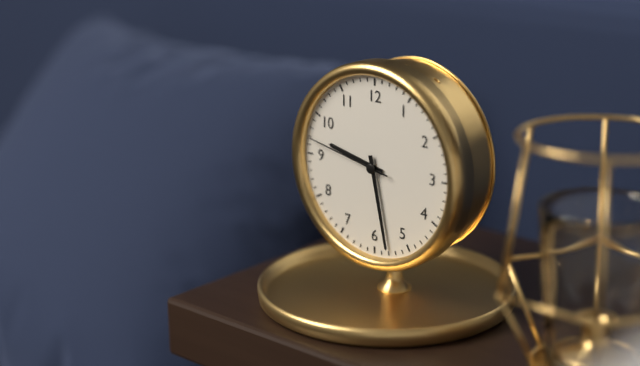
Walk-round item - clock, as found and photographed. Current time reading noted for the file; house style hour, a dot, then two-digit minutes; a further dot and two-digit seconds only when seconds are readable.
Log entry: 9.28.47
